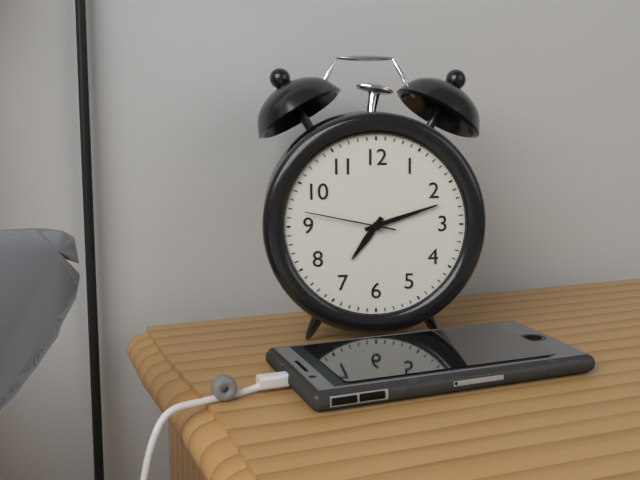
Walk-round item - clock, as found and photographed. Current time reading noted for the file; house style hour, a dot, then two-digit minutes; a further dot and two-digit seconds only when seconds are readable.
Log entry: 7.12.47
